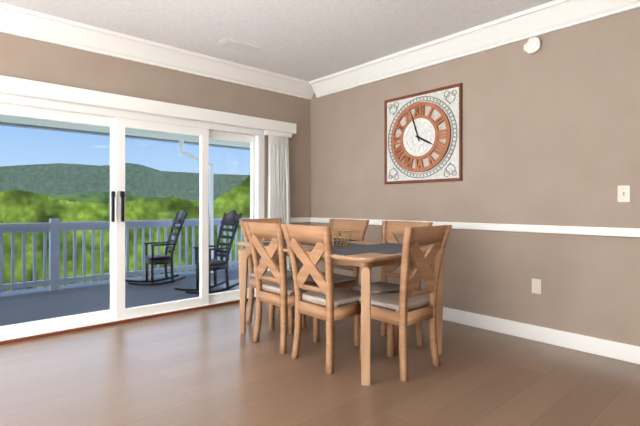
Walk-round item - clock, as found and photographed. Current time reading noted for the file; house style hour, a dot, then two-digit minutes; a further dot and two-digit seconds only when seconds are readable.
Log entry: 3.57
